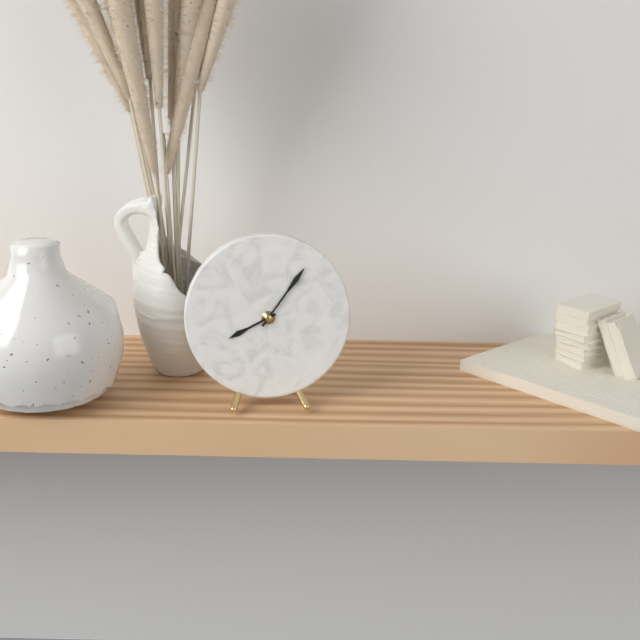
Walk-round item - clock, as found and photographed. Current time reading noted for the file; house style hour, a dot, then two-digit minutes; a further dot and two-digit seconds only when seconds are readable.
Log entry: 8.06
